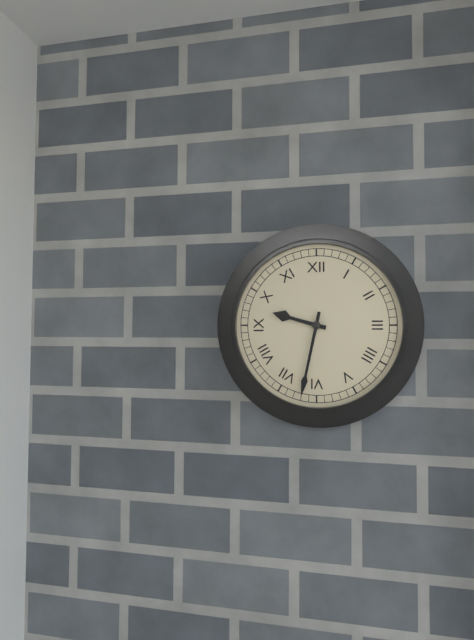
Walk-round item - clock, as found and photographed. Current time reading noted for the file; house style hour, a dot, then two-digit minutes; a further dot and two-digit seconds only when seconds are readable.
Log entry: 9.32
